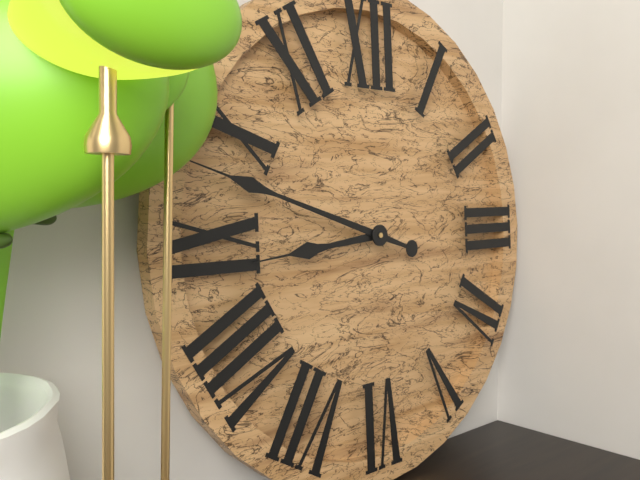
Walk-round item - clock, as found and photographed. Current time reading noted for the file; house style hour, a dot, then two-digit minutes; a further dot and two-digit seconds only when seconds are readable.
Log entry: 8.48
